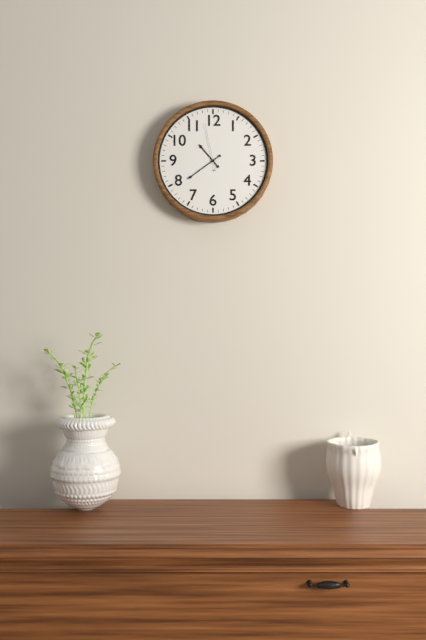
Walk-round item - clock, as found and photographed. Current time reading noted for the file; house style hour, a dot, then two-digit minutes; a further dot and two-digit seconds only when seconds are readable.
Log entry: 10.39
